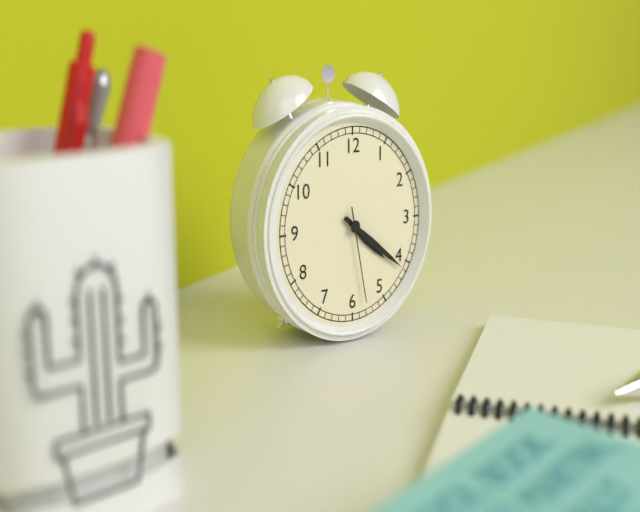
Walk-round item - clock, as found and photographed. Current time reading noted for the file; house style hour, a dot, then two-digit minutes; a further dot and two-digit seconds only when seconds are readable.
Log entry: 4.21.28
